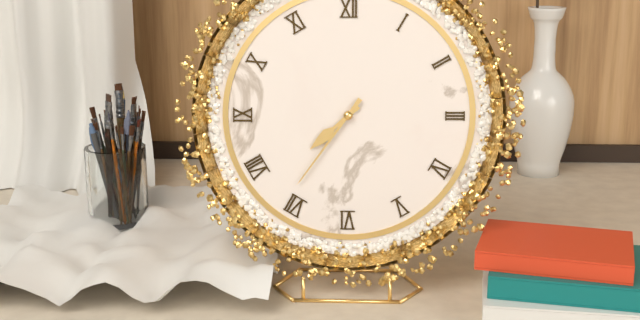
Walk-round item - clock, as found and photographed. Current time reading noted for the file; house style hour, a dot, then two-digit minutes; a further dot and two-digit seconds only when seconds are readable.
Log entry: 7.36
